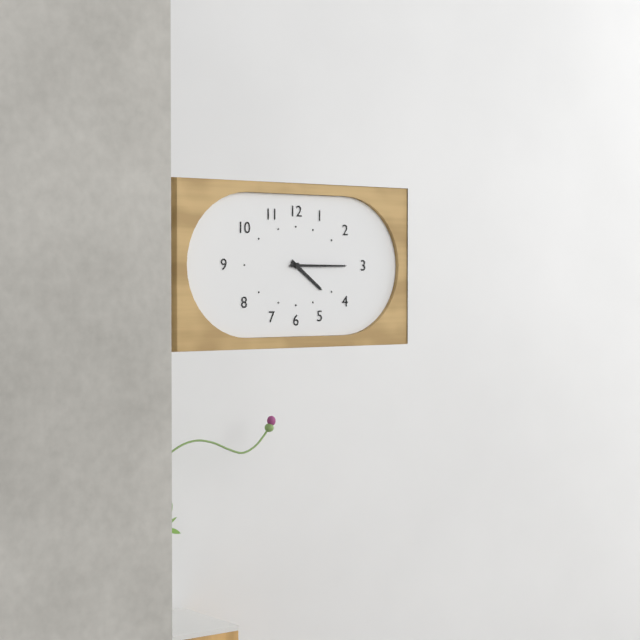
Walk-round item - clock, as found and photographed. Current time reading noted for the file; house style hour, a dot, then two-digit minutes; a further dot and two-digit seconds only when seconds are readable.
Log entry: 4.15
